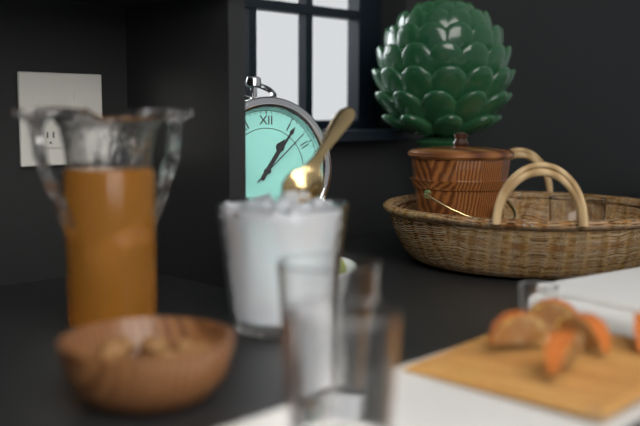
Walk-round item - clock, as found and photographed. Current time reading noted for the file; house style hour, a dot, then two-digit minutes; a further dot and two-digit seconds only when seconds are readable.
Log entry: 1.06.08
